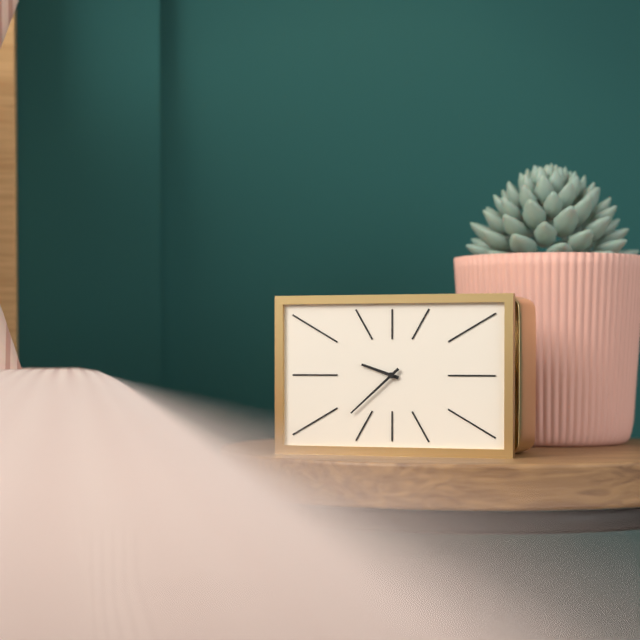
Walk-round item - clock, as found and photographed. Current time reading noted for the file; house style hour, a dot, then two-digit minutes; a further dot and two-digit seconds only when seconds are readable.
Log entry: 9.38
